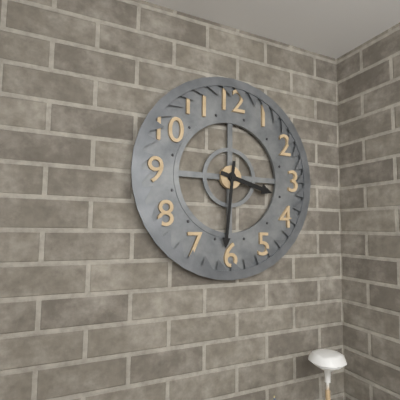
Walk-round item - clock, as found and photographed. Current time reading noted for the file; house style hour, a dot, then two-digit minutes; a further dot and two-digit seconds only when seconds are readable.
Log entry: 3.31
